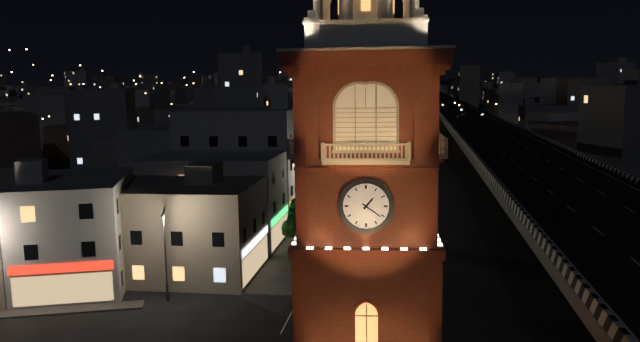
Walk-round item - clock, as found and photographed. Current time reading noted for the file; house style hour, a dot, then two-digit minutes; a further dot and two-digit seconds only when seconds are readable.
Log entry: 1.21
